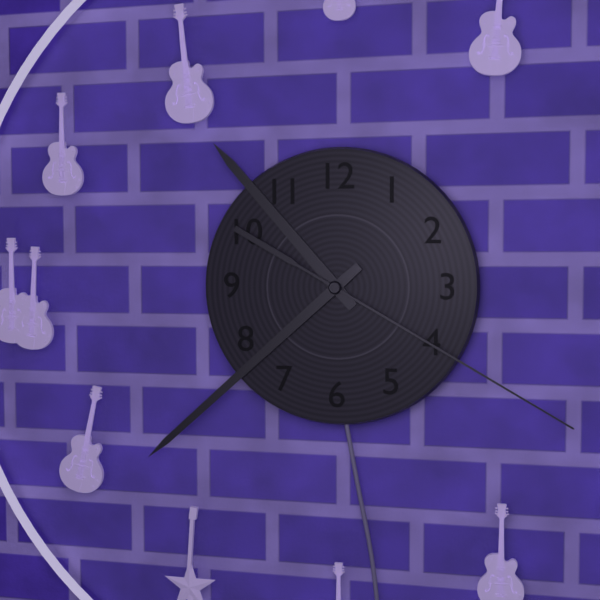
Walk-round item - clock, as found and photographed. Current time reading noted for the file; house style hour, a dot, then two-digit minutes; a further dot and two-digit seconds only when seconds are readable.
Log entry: 10.38.20
